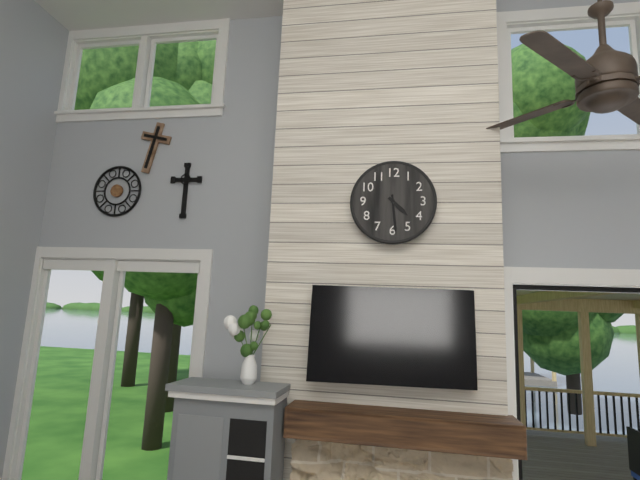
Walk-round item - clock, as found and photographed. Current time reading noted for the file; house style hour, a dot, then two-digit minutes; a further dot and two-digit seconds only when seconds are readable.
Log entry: 4.29
